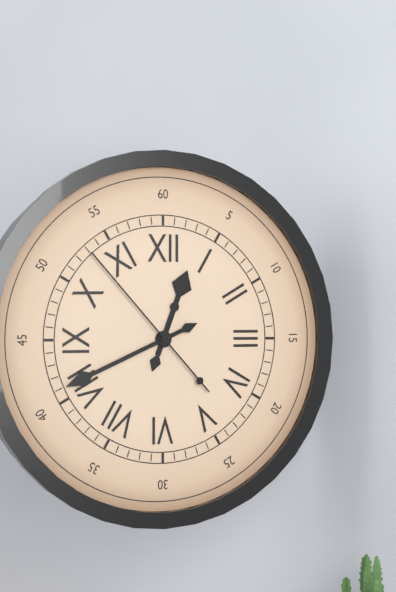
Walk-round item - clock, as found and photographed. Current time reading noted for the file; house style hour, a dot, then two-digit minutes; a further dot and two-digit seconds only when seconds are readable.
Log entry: 12.41.53
